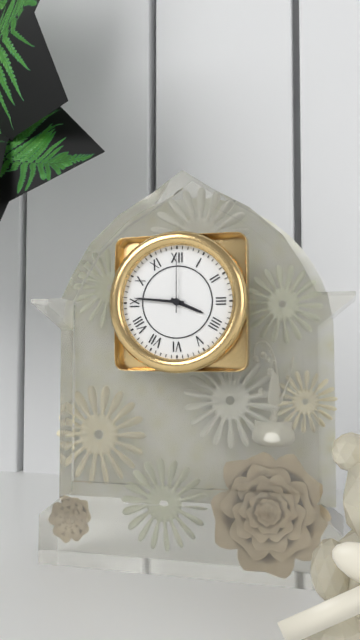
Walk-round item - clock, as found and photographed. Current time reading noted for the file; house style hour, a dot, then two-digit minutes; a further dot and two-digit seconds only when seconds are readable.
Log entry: 3.46.00
